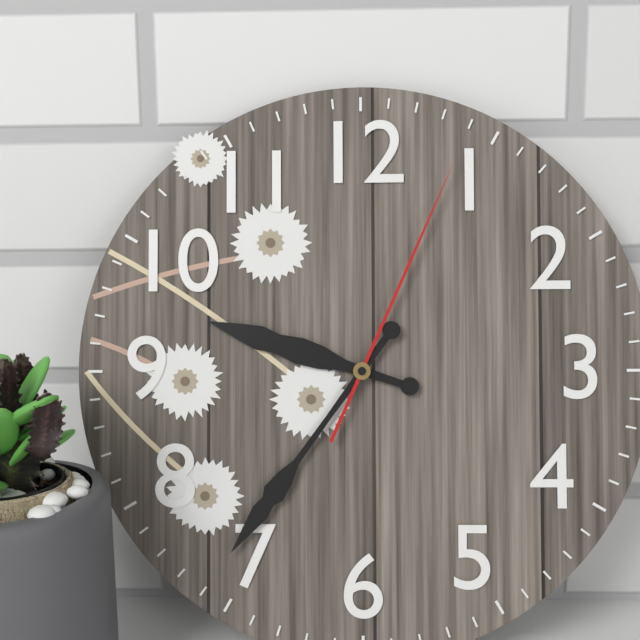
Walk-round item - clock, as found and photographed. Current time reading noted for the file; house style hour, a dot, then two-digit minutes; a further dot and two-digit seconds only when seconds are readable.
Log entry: 9.36.04
